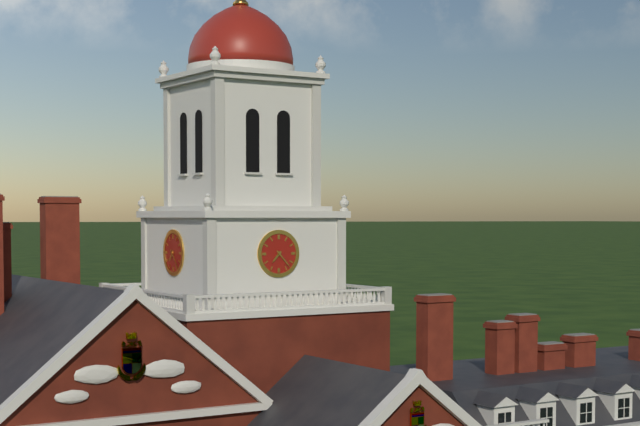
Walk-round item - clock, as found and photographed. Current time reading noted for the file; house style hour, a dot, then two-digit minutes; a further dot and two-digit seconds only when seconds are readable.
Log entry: 7.23
